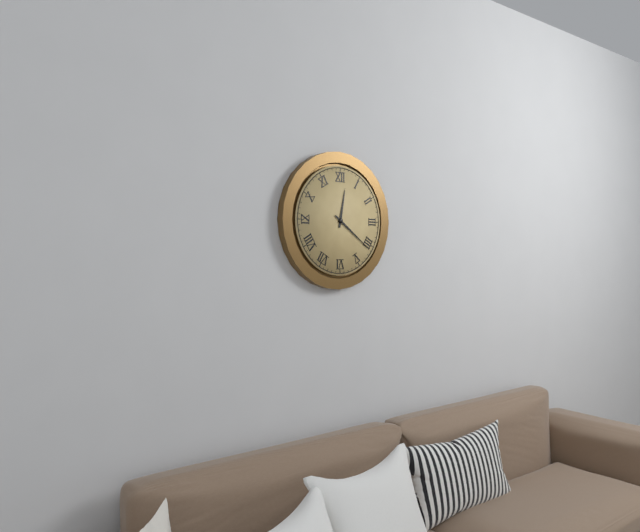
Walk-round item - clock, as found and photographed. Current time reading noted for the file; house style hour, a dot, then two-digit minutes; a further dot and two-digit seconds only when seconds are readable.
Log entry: 12.21
